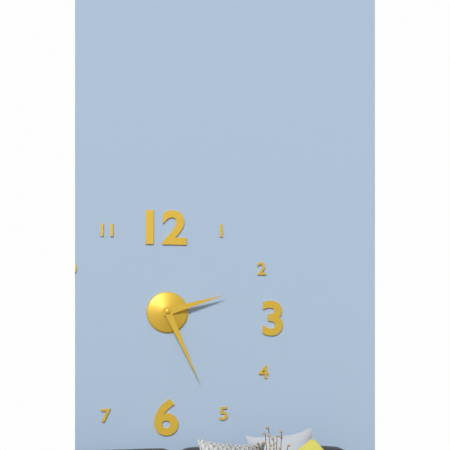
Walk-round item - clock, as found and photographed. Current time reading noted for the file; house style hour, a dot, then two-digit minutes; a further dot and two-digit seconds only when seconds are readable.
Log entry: 2.26
